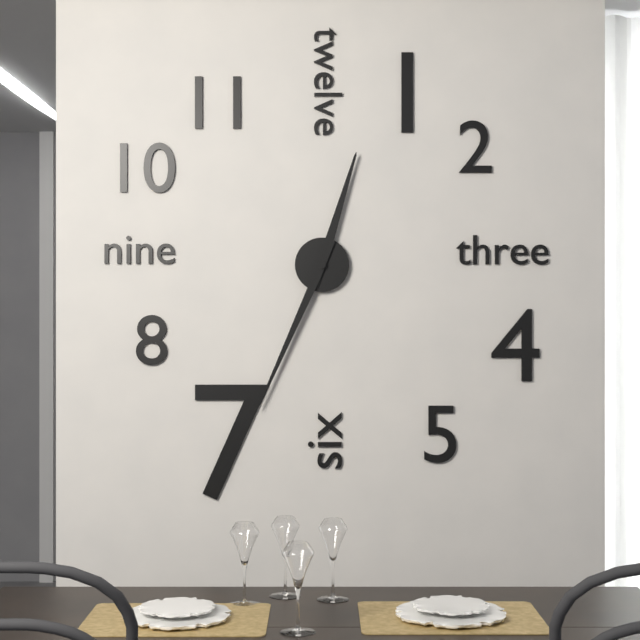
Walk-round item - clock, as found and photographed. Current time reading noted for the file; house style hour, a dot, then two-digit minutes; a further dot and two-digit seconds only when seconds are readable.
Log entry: 12.34
